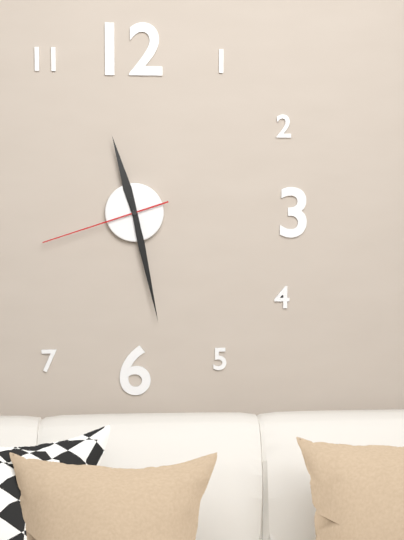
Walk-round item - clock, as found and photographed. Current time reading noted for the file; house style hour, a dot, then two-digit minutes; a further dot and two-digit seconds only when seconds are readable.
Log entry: 11.28.42
